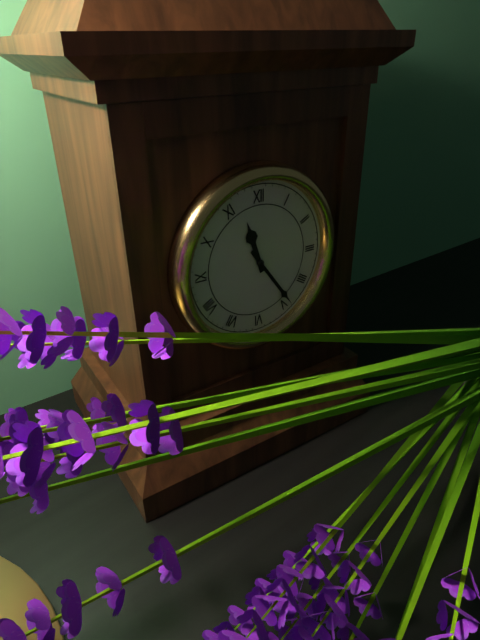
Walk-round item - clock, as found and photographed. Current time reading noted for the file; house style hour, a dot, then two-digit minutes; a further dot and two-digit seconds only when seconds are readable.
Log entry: 11.24
